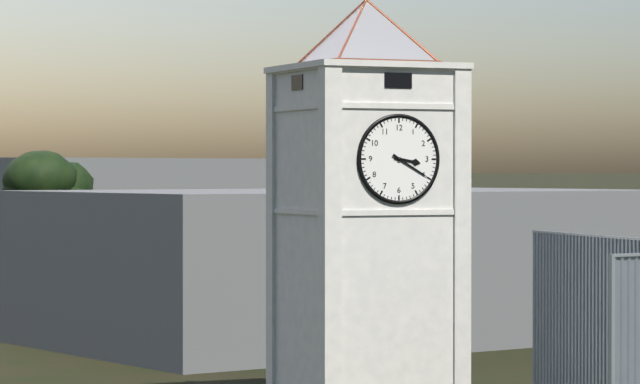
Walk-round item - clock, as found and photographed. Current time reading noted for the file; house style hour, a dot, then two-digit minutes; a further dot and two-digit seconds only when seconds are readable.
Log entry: 3.20
